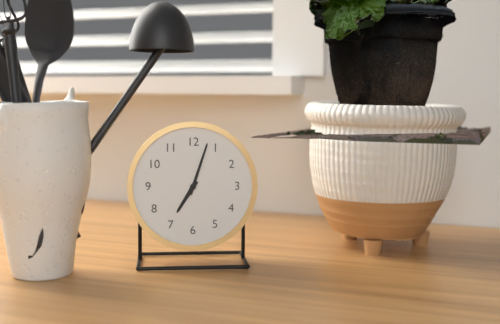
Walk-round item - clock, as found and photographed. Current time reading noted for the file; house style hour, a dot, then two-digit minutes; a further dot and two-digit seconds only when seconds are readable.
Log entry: 7.03
